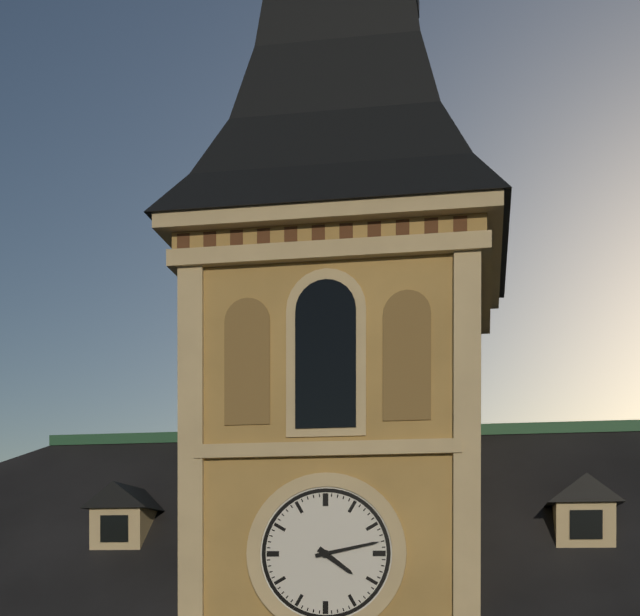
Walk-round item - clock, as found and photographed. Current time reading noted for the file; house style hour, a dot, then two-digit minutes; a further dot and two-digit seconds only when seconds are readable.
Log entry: 4.13
